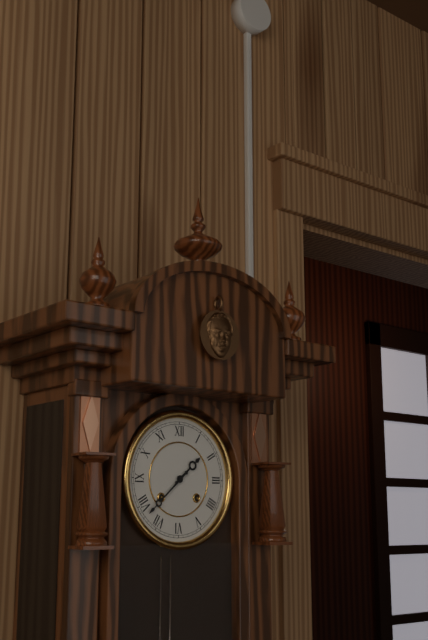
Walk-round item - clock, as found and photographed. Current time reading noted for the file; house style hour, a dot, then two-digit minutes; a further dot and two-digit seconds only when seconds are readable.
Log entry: 1.38
